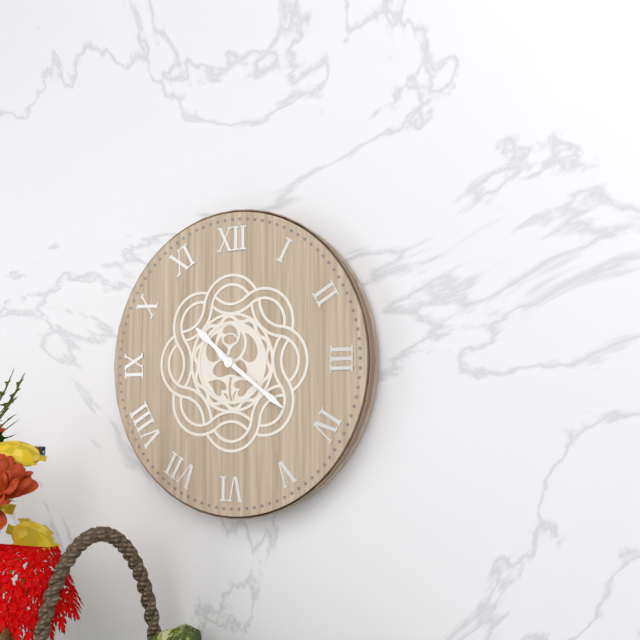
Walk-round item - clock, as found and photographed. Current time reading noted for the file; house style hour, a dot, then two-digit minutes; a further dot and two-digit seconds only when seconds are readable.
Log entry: 10.21
